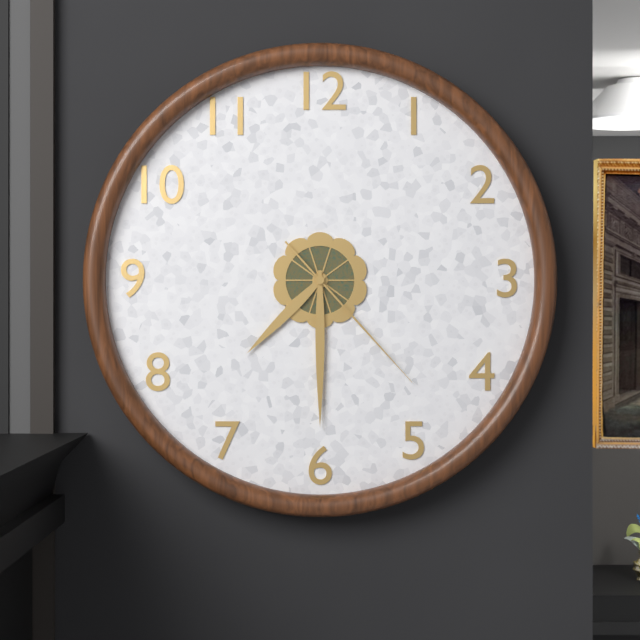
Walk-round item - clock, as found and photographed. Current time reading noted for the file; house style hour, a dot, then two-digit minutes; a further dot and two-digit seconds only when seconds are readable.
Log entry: 7.30.23
